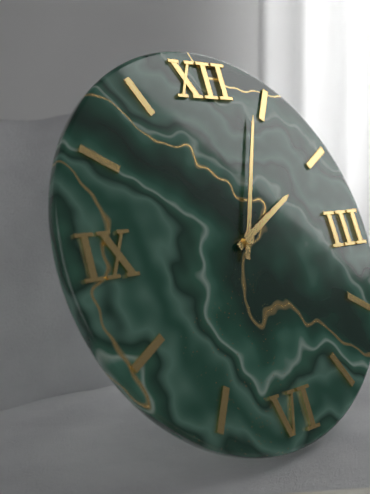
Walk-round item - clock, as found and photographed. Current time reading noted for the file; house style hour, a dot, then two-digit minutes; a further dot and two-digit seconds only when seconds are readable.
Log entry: 2.04
